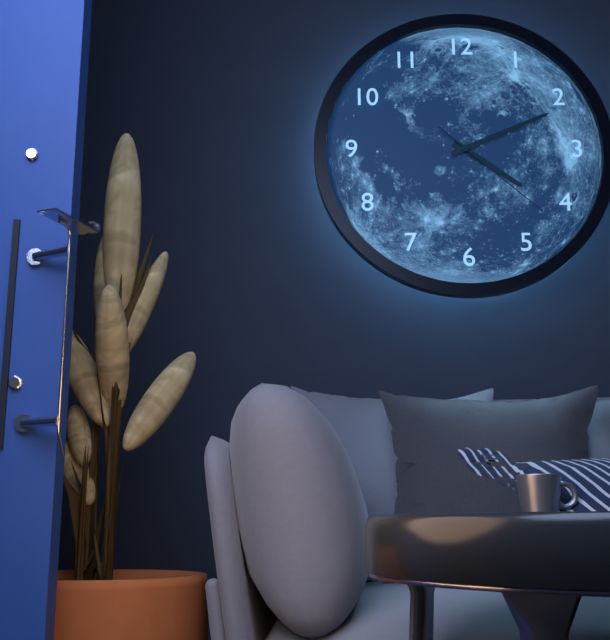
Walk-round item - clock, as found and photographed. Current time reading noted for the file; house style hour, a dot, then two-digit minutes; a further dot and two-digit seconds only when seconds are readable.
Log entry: 4.11.22
